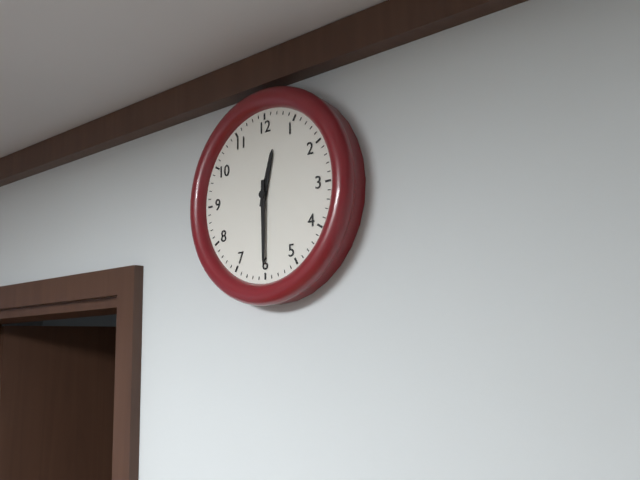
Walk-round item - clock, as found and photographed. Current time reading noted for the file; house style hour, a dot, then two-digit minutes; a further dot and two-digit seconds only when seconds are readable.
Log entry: 12.30
